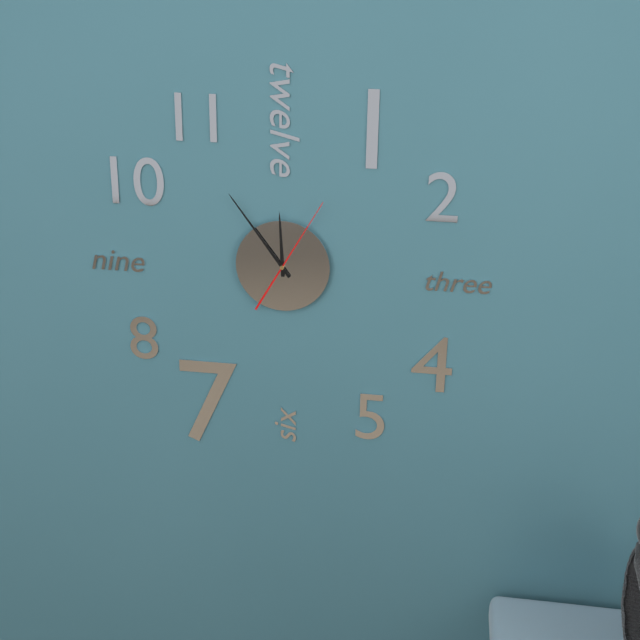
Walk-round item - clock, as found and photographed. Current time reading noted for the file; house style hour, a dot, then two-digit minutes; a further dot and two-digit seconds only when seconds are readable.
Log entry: 11.54.05
